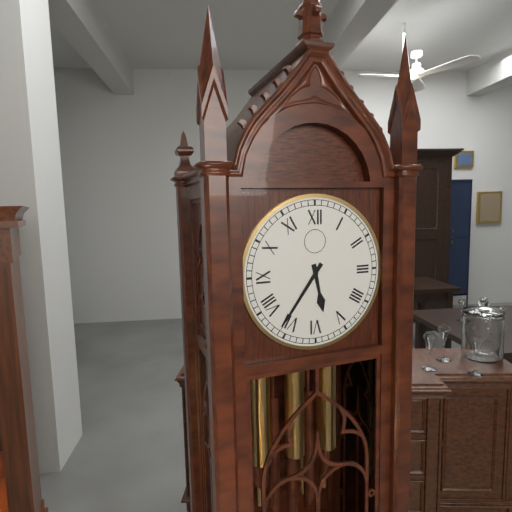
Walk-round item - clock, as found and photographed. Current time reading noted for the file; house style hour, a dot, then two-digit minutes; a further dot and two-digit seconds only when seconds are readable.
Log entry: 5.36
